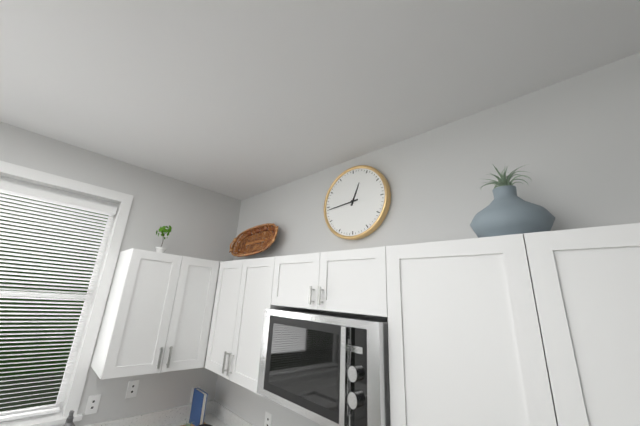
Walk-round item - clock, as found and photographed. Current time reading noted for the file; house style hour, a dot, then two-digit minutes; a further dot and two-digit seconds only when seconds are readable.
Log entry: 12.44
